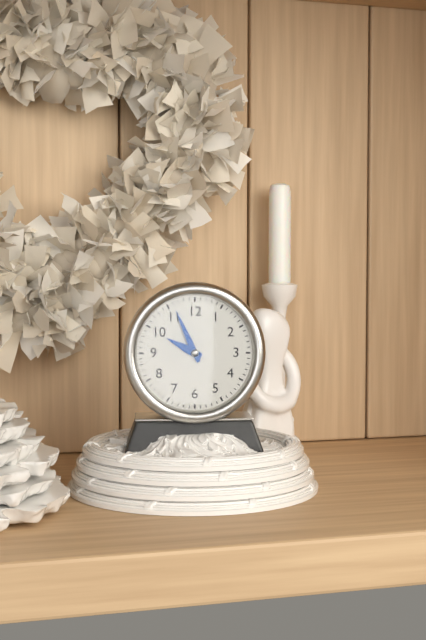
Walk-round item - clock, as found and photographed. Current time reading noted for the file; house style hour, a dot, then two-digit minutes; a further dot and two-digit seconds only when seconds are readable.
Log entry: 9.56
